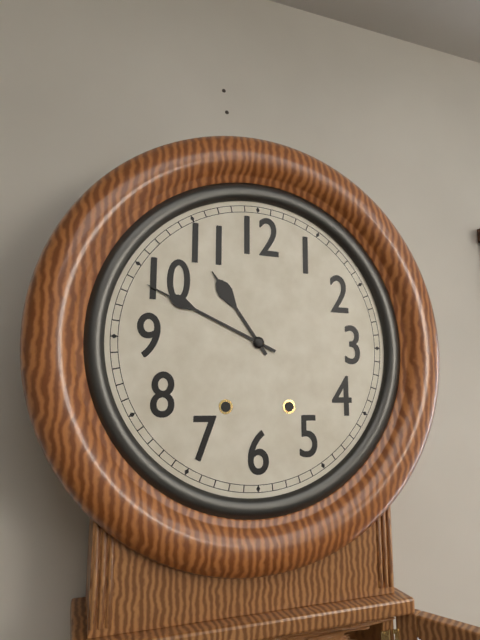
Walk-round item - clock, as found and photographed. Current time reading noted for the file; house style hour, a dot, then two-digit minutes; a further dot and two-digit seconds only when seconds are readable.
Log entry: 10.49
